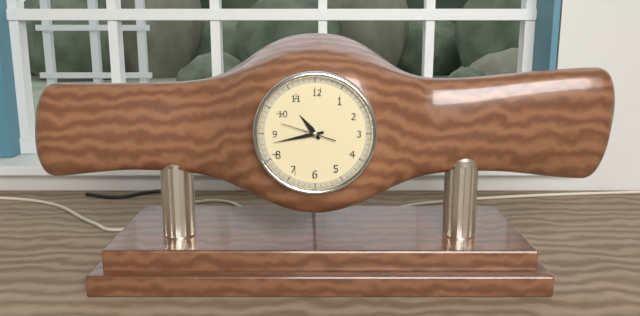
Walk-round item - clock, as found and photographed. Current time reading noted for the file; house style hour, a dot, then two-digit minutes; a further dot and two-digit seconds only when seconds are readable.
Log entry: 10.43
